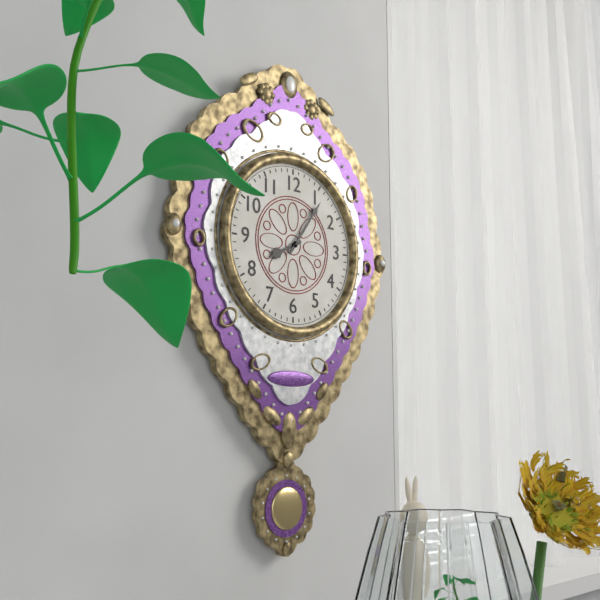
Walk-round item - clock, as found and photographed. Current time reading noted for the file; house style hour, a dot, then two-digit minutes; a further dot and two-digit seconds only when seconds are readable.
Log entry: 8.06
